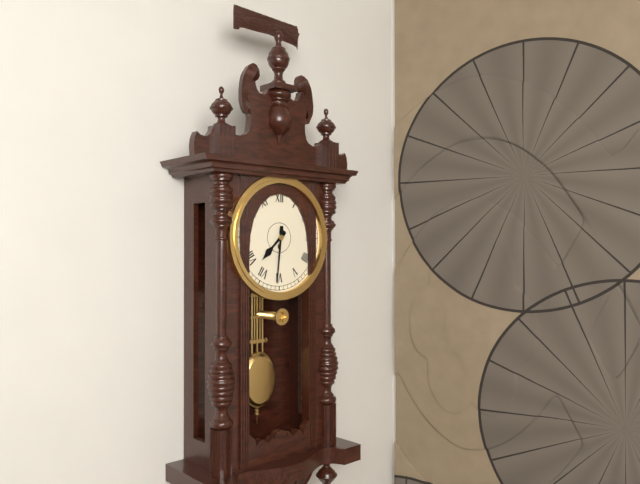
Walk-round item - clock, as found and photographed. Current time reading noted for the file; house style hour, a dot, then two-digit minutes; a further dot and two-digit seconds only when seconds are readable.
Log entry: 7.31
